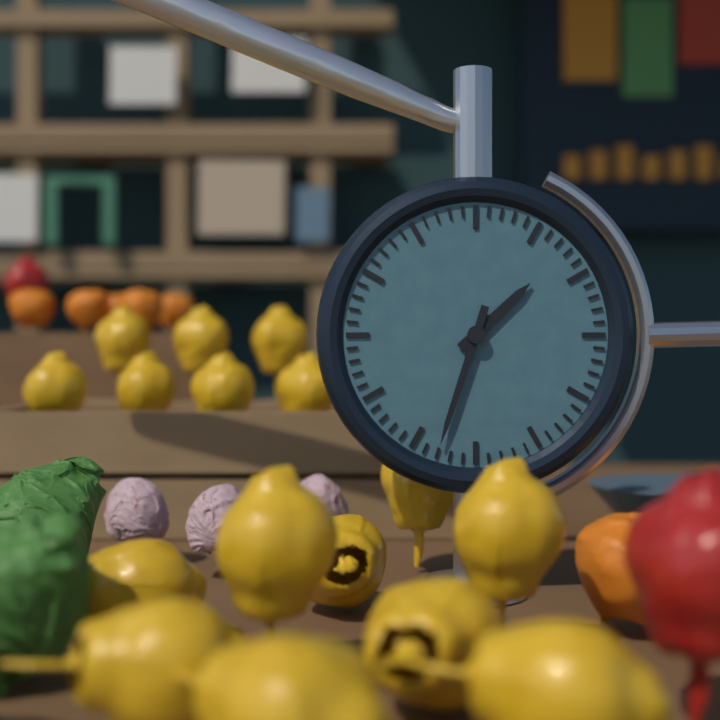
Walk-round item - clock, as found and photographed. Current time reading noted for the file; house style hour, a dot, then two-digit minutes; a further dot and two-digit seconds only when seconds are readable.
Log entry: 1.33
